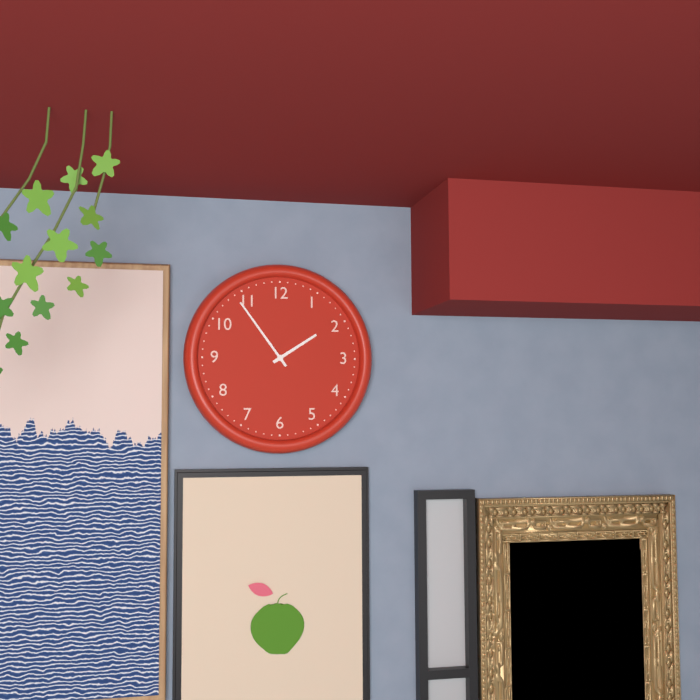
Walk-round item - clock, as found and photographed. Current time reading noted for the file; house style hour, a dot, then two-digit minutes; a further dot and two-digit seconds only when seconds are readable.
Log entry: 1.54
